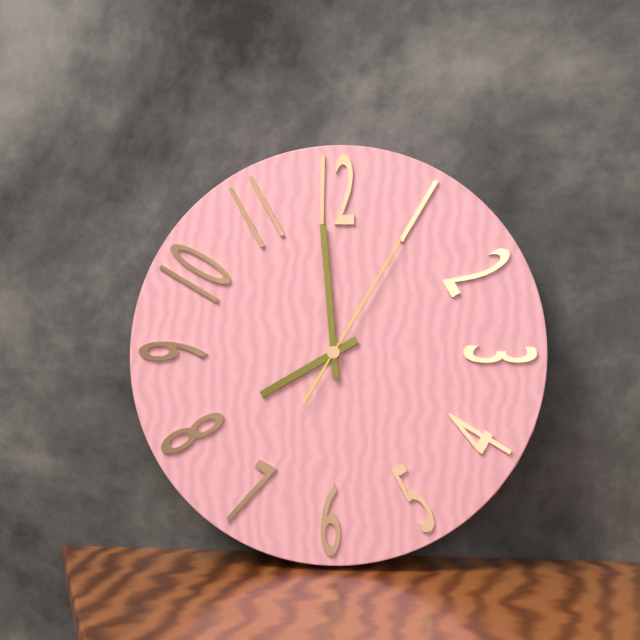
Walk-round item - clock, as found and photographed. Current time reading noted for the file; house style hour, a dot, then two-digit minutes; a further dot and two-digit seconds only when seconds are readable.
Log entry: 7.59.05
